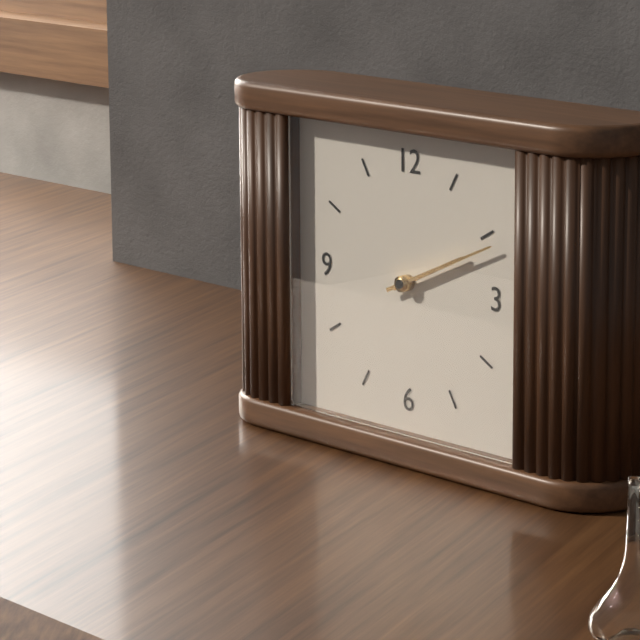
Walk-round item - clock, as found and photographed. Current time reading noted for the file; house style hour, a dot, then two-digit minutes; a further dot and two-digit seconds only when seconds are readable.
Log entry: 2.11
